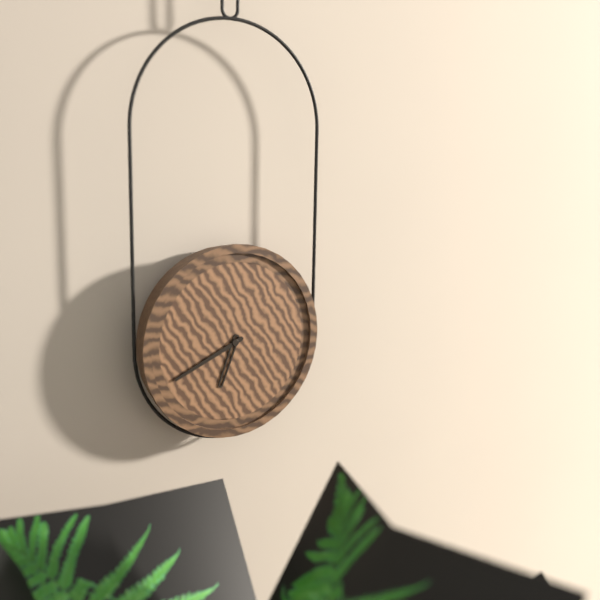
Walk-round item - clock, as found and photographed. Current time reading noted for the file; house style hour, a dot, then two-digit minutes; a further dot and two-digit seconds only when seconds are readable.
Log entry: 6.41
